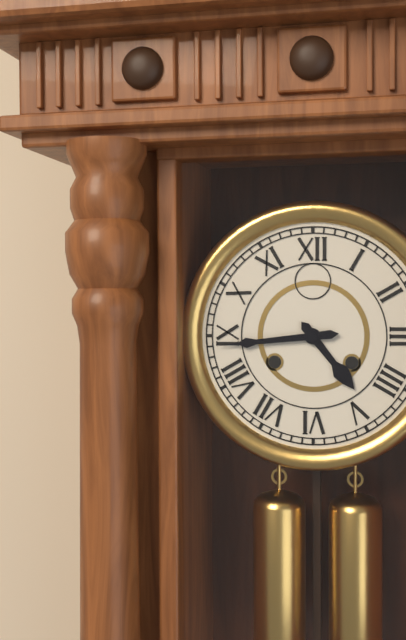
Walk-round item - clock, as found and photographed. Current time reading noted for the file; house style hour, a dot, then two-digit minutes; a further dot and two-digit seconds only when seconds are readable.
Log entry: 4.44
